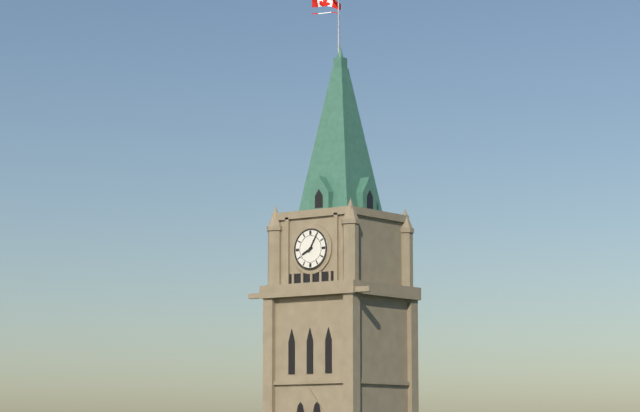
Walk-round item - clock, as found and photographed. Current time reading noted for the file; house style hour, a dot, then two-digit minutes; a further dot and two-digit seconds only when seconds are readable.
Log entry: 8.05
